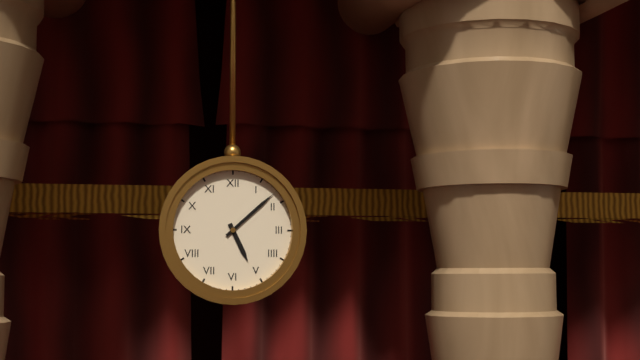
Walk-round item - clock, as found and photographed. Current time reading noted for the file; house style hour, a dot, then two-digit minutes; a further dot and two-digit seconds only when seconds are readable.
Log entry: 5.08
